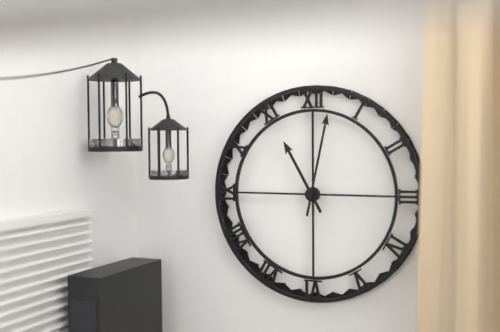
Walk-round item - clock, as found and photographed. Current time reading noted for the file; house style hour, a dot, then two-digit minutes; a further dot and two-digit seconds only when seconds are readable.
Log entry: 11.02
